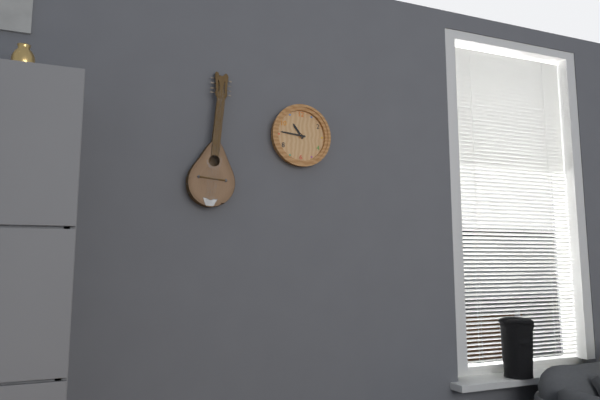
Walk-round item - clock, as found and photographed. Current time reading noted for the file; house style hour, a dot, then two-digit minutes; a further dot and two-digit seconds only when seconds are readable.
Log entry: 10.46
